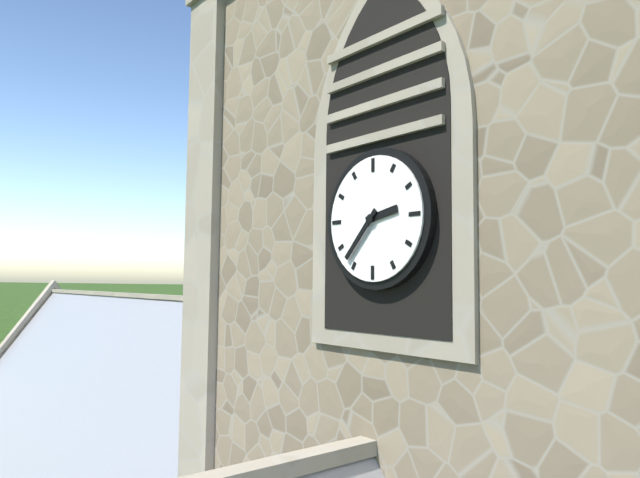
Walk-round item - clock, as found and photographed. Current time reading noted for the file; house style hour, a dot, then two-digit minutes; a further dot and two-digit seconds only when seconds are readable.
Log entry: 2.37
